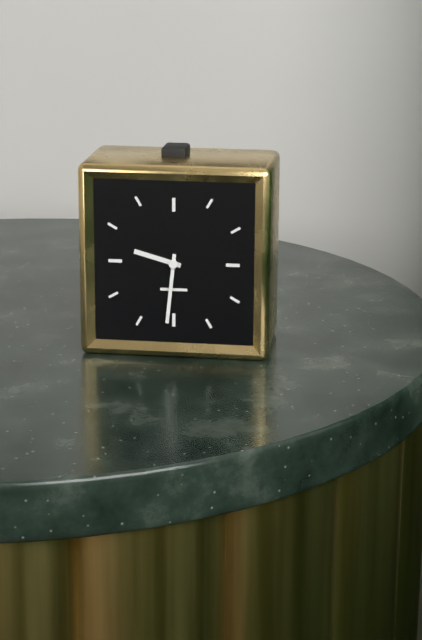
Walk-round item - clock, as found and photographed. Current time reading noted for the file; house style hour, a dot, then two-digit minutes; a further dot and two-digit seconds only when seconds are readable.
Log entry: 9.31
